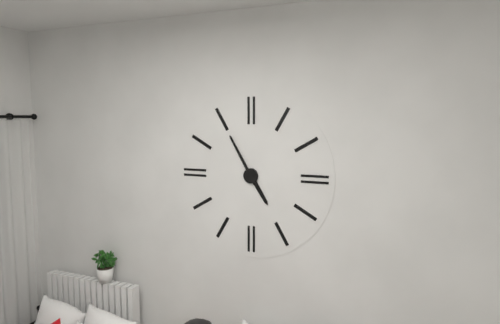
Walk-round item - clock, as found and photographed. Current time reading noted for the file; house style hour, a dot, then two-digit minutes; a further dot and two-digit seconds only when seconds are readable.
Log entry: 4.55
